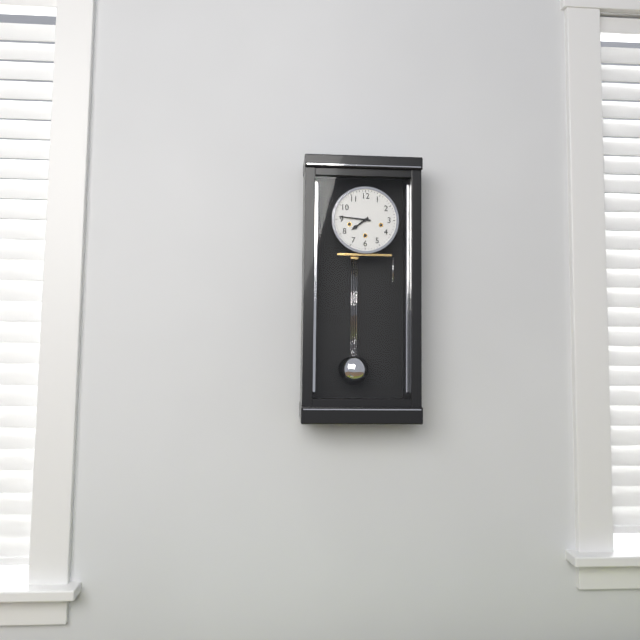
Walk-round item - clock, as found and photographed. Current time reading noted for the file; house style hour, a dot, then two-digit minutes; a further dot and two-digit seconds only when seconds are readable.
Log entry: 7.46
